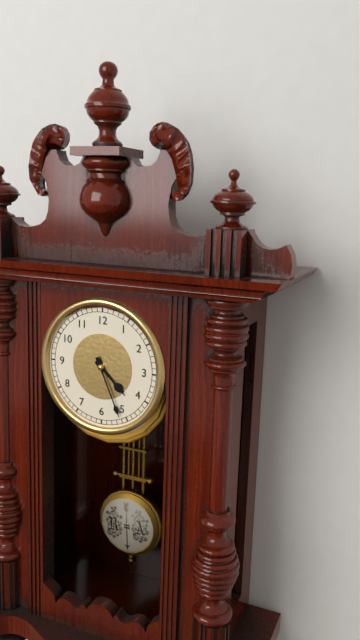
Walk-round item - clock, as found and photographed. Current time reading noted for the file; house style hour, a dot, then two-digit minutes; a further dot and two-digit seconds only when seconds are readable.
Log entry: 4.26
